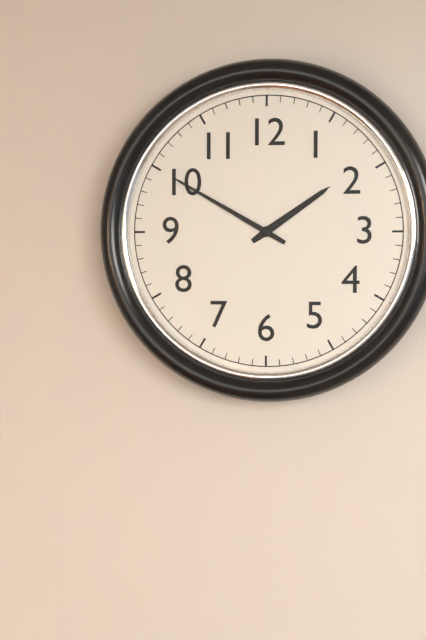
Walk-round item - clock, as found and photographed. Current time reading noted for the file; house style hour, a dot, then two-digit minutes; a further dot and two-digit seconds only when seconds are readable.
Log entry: 1.50
